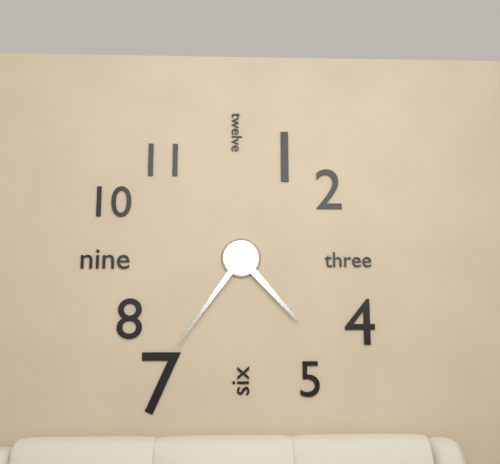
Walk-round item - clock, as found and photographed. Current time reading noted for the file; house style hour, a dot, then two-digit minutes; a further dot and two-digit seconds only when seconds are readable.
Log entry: 4.36
